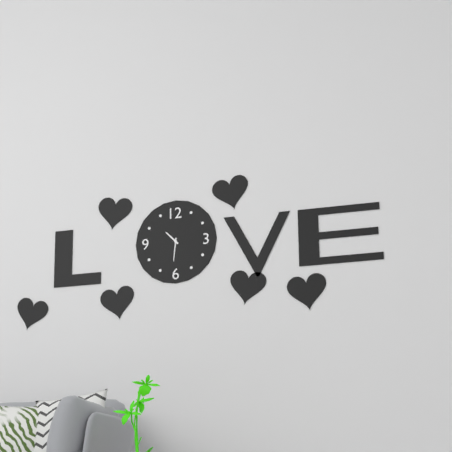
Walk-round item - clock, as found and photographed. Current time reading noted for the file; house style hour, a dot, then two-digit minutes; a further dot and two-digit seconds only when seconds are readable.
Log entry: 10.31
